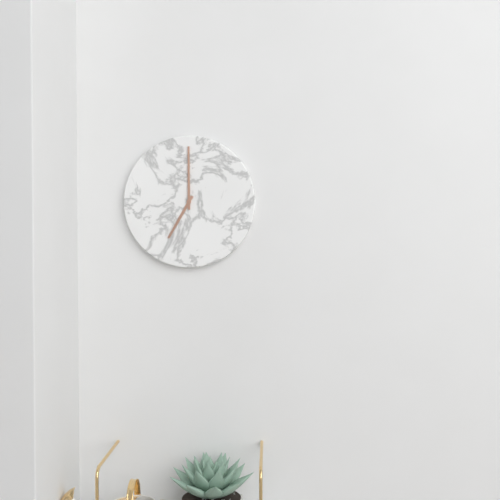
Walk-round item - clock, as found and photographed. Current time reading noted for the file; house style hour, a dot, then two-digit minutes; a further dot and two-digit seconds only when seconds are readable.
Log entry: 7.00
